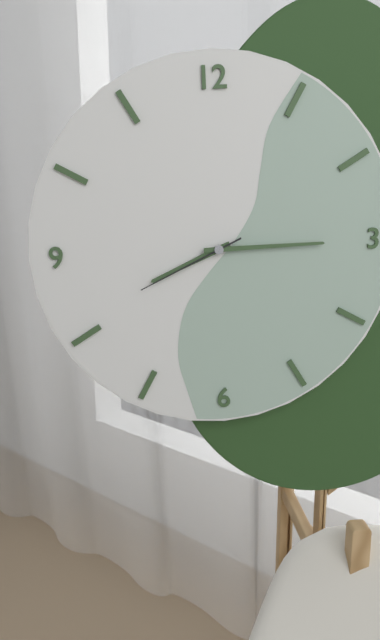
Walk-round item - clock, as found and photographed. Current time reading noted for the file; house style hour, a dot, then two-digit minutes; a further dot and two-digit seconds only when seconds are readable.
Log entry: 8.15.41
